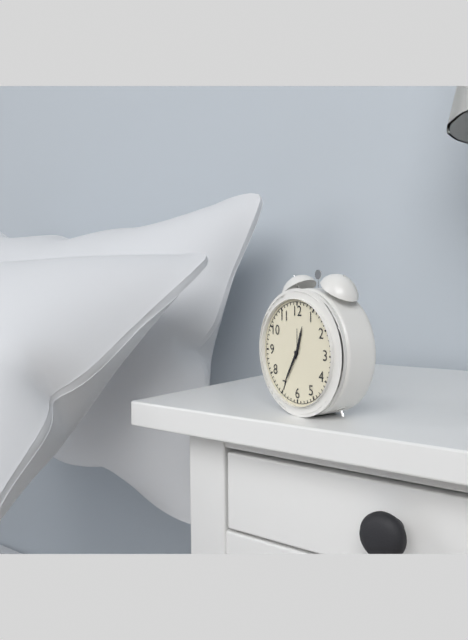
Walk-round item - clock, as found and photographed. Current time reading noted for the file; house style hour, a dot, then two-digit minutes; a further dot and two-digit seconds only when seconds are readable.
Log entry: 12.35
